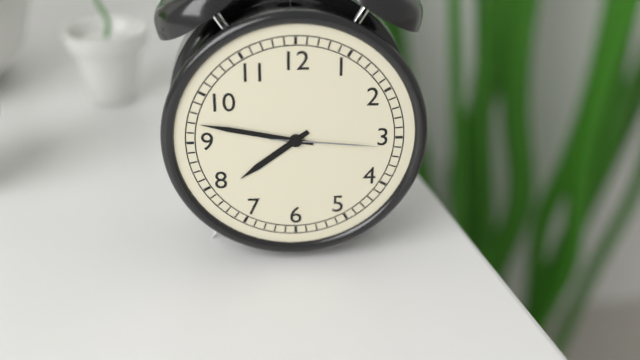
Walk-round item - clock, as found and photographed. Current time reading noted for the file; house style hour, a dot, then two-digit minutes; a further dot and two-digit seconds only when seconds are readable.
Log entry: 7.47.16
